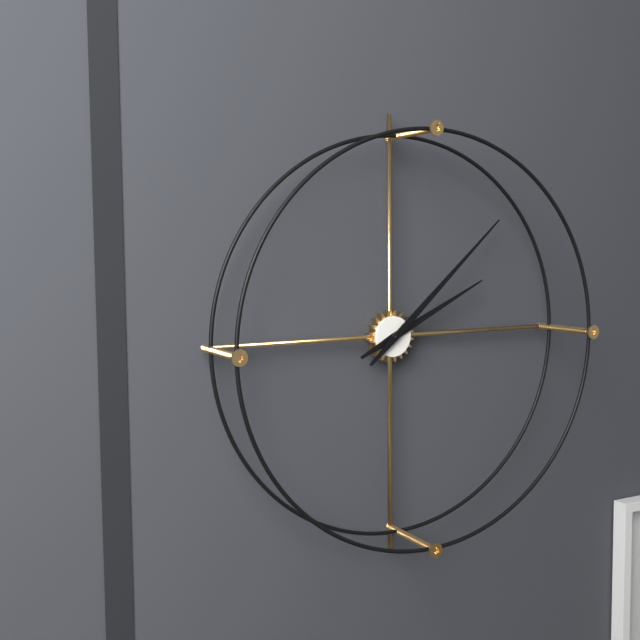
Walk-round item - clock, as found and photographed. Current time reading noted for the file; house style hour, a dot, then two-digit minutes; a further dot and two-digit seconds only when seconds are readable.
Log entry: 2.08
